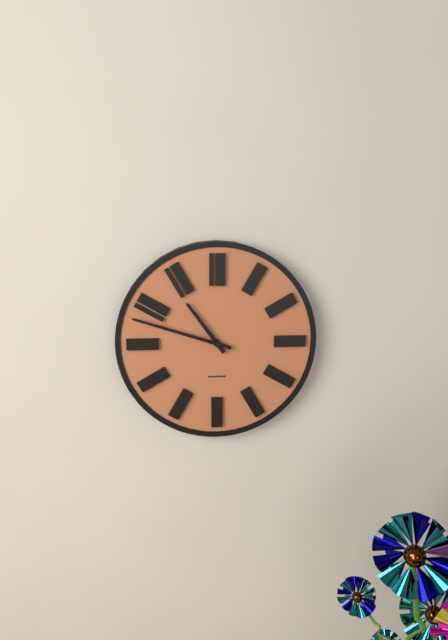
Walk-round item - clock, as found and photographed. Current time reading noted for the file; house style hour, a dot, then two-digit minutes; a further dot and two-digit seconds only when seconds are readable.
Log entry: 10.48
